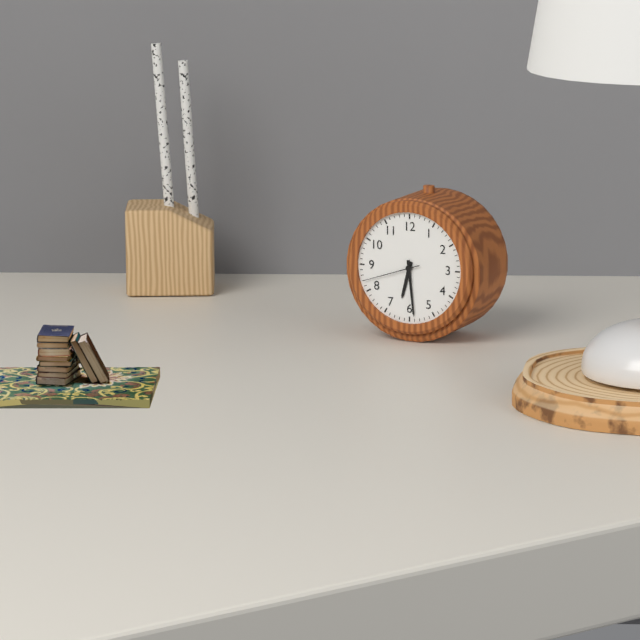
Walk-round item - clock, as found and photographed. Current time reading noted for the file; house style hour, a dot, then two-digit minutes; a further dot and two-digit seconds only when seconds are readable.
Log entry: 6.29.42
